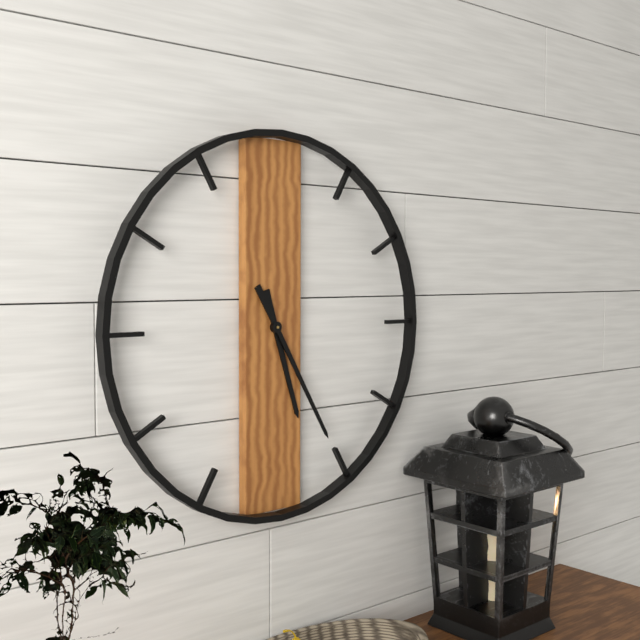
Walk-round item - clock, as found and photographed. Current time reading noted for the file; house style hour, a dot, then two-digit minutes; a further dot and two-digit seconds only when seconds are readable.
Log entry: 5.25
